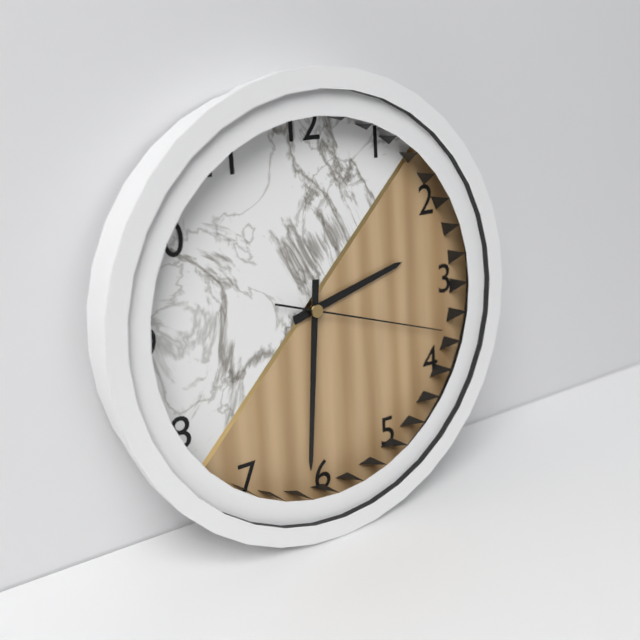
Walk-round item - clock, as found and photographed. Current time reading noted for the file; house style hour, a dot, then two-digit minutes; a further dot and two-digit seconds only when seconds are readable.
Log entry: 2.31.18
